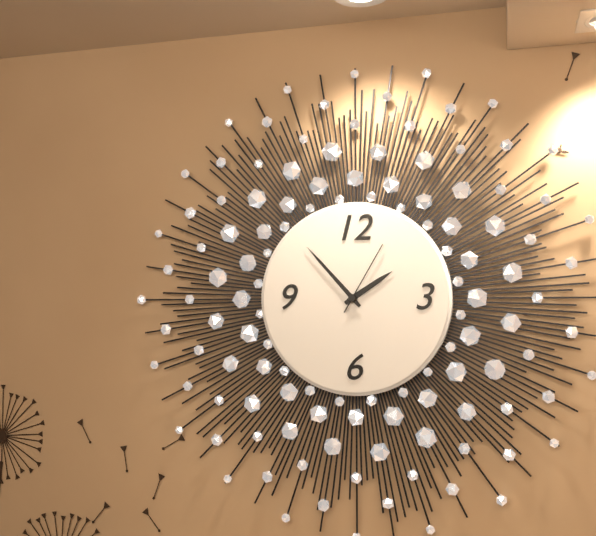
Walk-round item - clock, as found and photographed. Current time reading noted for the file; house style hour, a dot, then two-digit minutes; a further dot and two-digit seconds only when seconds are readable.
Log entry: 1.53.05
